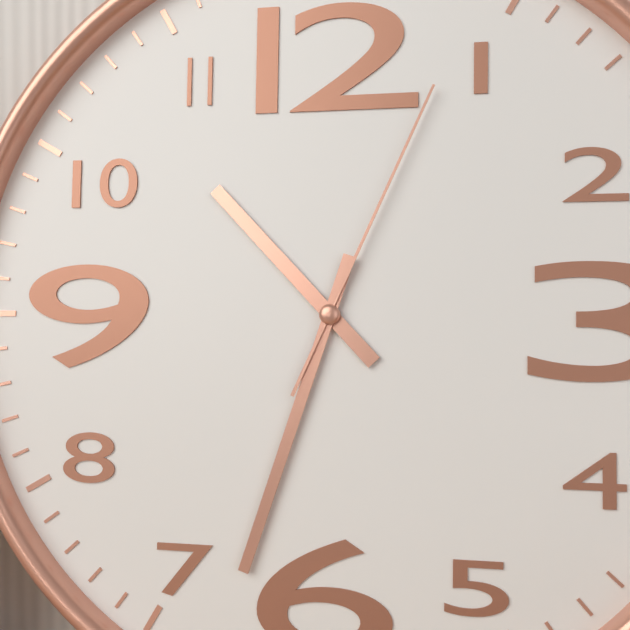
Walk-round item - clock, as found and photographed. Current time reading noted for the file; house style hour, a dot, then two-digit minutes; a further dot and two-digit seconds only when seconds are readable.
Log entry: 10.33.04
